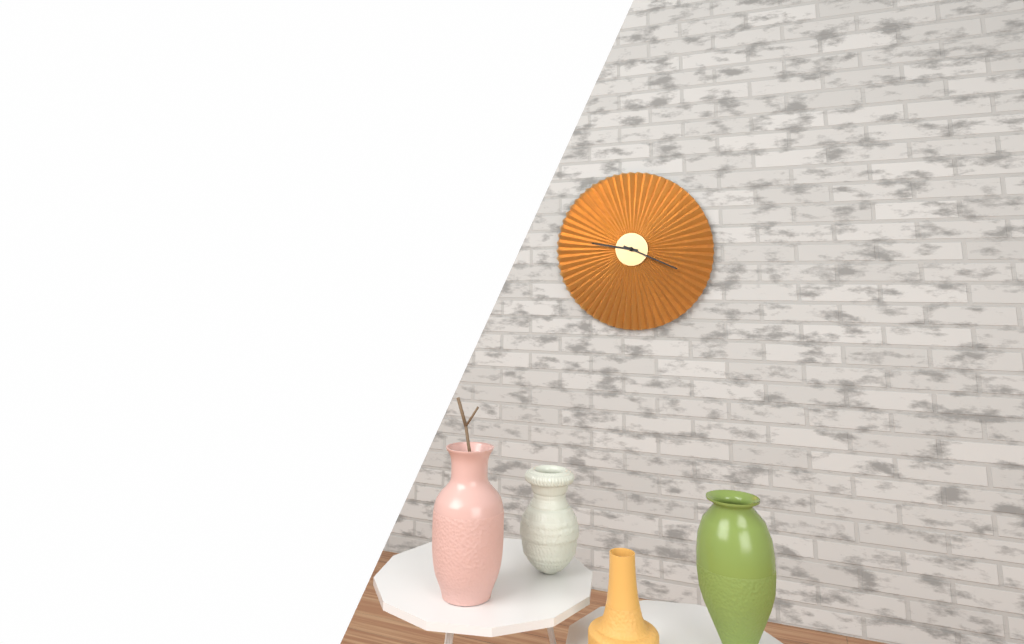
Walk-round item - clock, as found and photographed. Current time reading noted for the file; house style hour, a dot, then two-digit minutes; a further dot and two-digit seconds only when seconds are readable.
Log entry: 9.19
